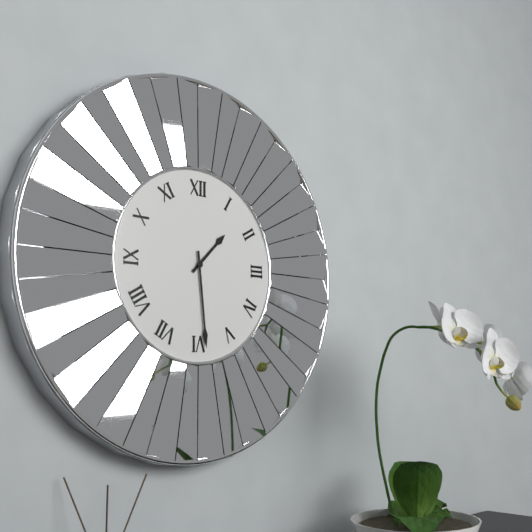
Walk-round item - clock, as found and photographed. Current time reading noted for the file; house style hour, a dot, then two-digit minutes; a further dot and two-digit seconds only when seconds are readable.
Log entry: 1.29
